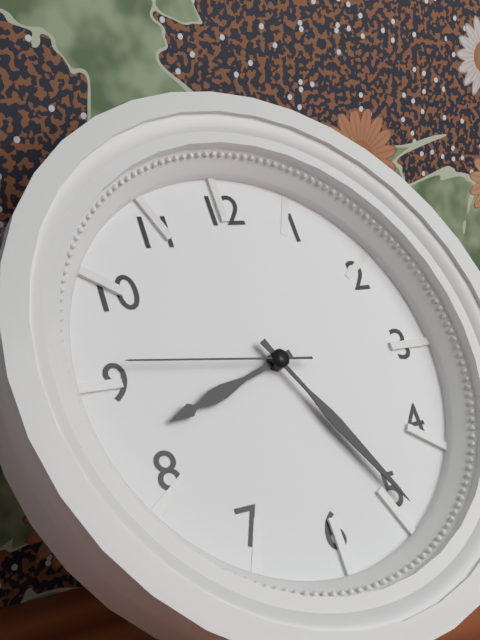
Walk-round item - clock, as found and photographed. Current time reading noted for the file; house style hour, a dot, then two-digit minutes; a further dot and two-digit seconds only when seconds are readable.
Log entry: 8.25.46
